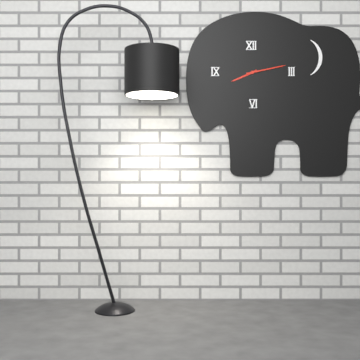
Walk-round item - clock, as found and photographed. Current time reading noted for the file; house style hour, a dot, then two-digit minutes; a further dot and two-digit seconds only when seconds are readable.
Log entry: 8.13
